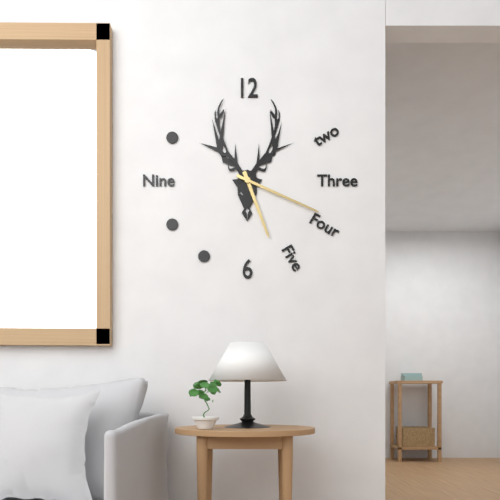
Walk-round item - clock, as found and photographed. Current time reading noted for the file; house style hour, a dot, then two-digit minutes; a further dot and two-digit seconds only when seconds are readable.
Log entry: 5.19
